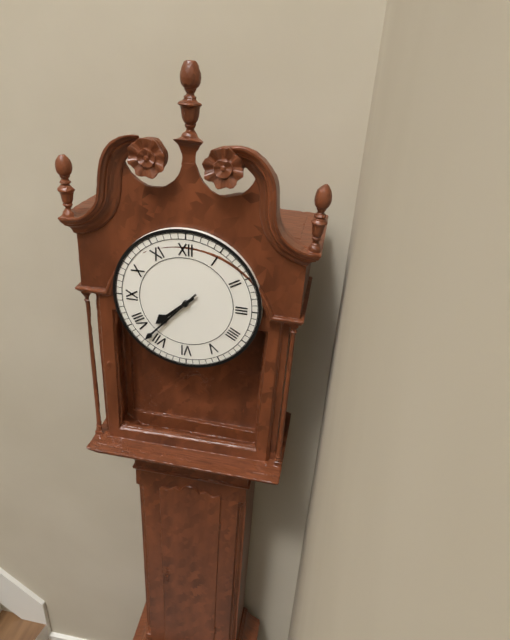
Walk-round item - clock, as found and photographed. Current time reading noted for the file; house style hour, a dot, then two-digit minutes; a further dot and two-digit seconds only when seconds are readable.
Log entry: 7.37
